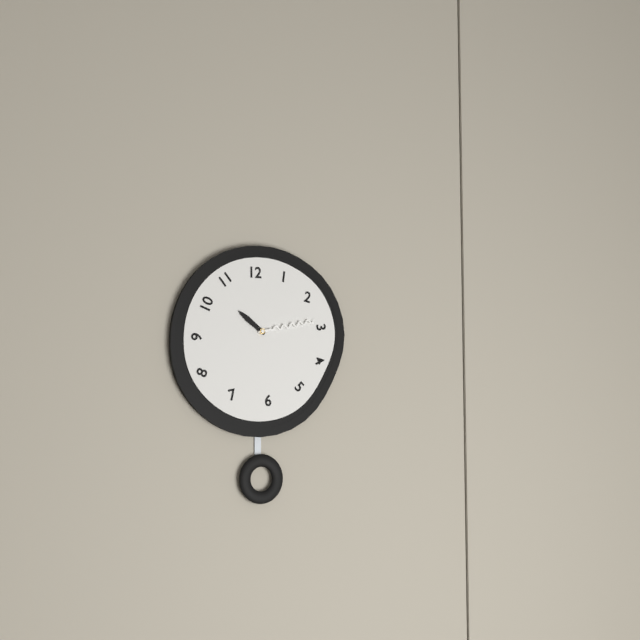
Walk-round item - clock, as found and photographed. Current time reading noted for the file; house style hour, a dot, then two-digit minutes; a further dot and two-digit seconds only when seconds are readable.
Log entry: 10.13
